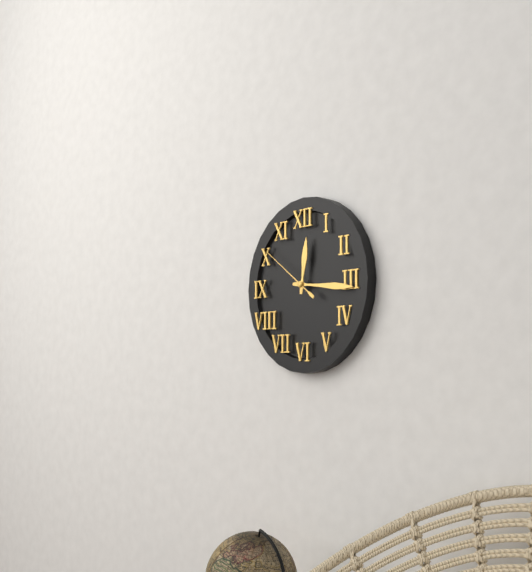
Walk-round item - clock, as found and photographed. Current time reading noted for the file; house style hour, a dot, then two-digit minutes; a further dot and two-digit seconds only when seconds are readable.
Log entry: 12.16.51
